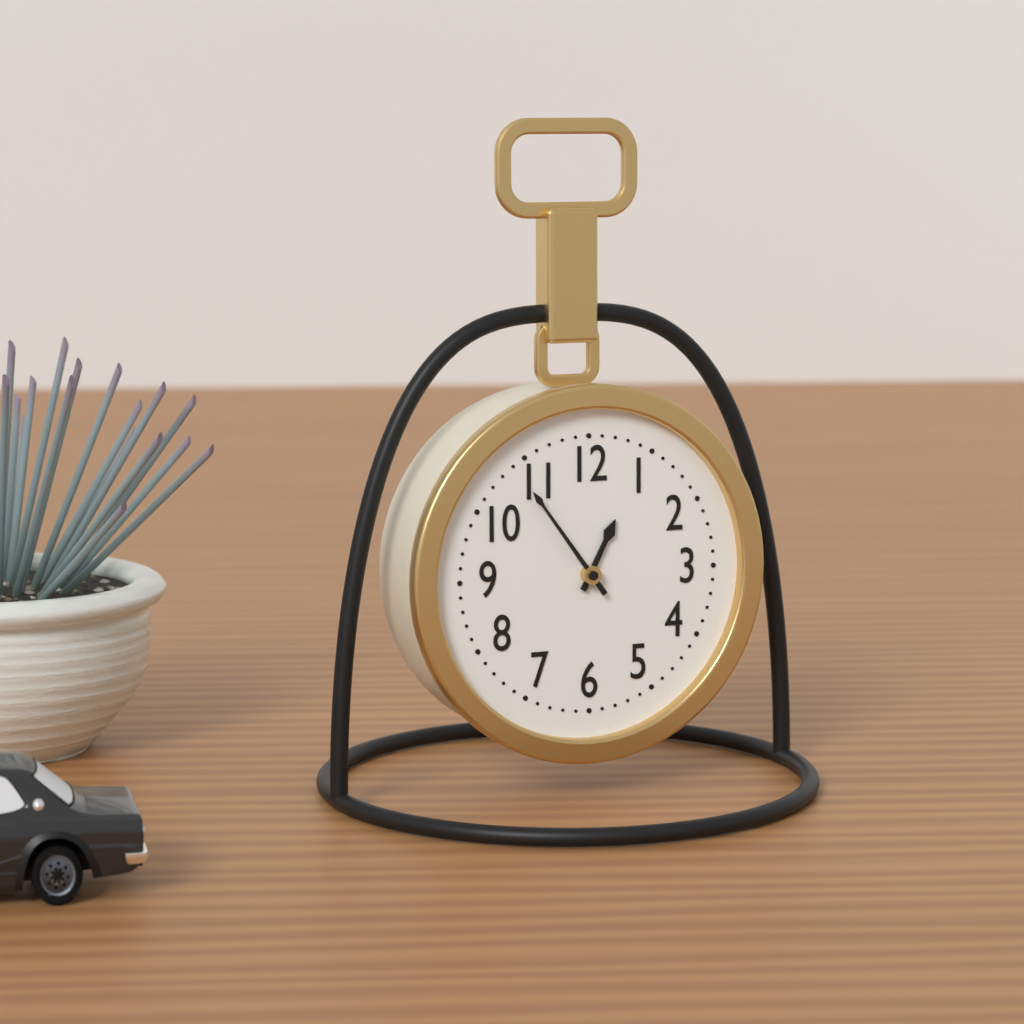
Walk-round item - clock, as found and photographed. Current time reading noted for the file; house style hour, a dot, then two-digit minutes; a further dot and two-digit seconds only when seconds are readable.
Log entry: 12.54
